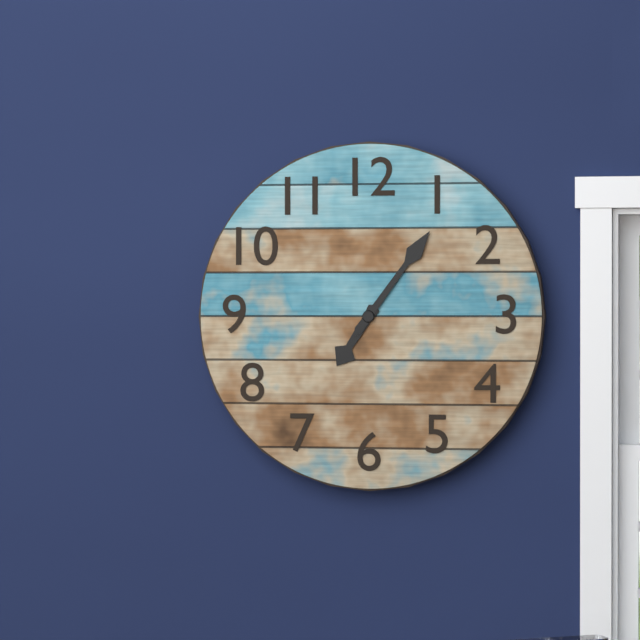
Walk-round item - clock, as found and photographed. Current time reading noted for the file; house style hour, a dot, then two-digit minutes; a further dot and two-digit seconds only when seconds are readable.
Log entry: 7.06
